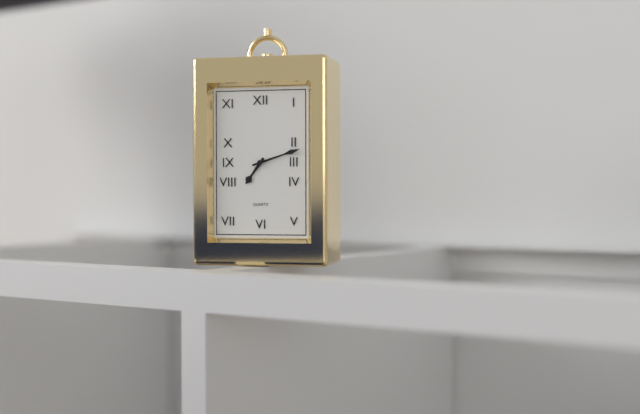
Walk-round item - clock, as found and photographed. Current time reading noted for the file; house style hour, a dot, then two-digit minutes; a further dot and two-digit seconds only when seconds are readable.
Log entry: 7.12
